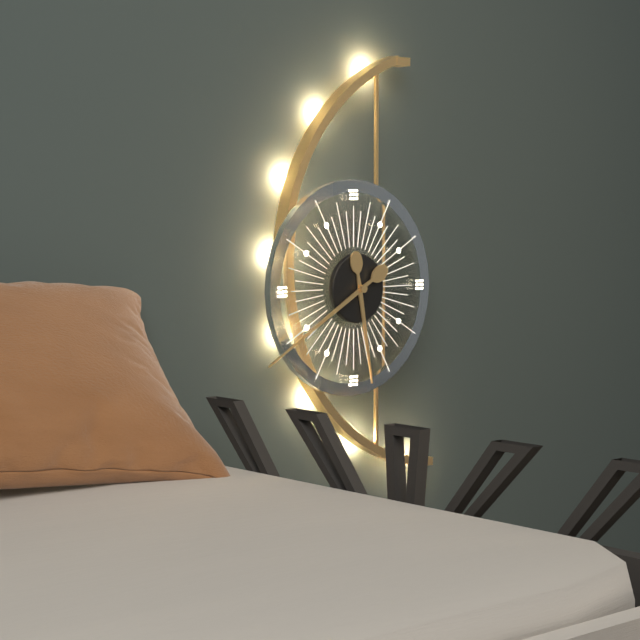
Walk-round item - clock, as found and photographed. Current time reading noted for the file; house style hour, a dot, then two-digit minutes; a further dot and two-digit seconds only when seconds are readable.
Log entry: 5.40
